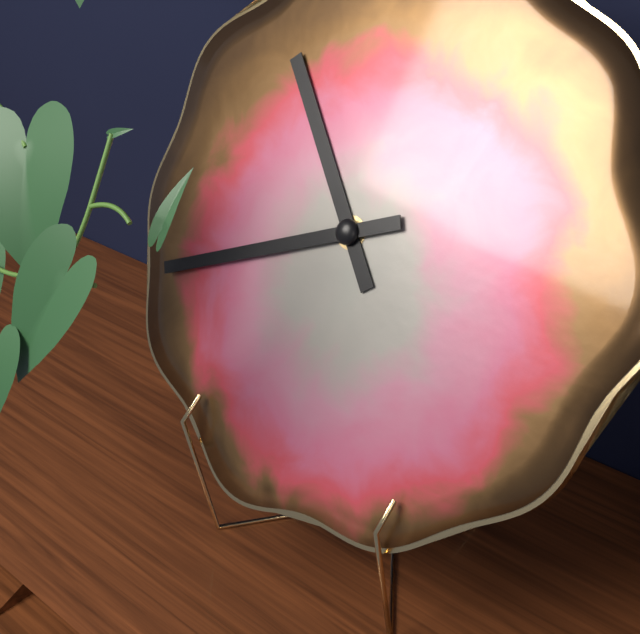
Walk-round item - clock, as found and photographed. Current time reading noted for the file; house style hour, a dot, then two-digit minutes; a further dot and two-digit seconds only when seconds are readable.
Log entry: 10.41
